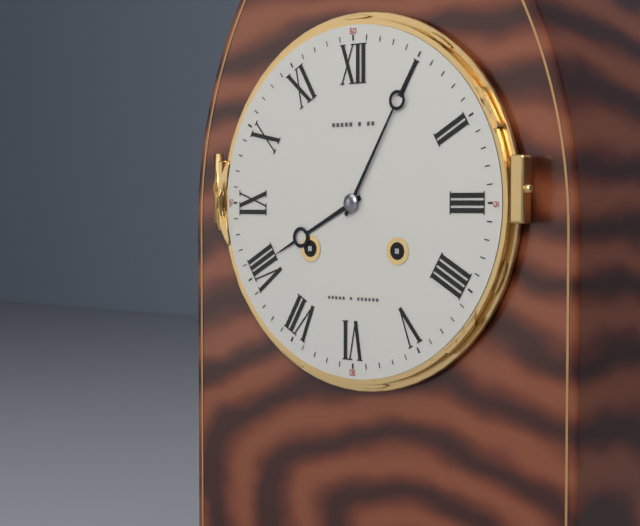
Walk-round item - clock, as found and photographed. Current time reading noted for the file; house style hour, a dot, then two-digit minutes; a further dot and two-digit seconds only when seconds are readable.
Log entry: 8.05
